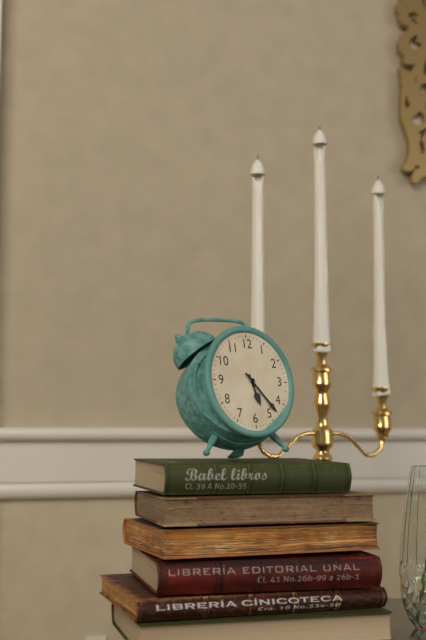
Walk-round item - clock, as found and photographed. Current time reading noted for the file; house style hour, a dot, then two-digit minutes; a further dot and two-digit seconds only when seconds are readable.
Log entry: 5.23
